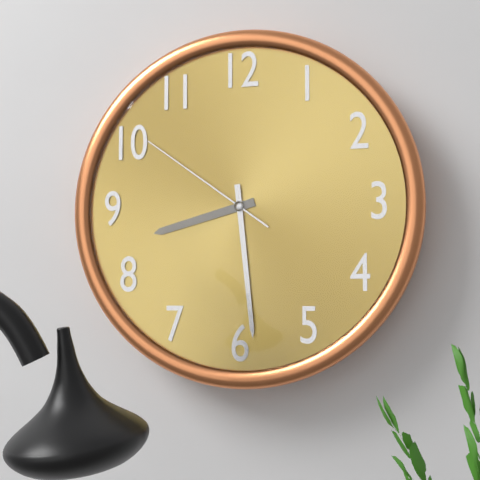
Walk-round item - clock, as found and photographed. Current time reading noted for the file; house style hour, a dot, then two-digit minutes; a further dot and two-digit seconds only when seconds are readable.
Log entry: 8.29.51
